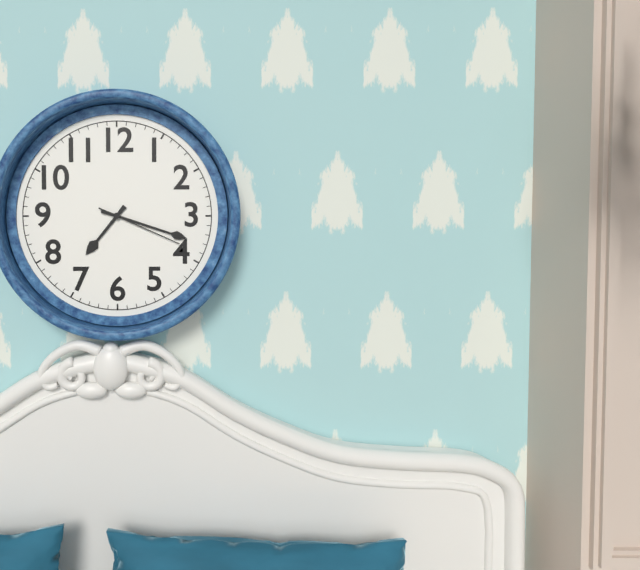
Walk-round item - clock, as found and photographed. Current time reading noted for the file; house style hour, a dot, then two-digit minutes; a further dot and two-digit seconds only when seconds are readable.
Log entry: 7.18.19
